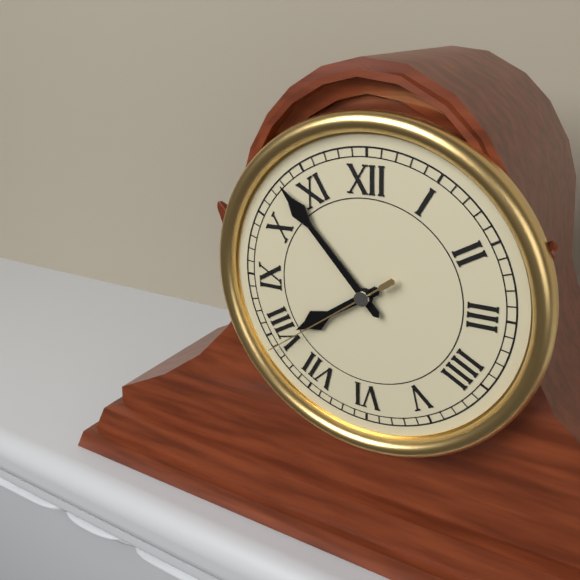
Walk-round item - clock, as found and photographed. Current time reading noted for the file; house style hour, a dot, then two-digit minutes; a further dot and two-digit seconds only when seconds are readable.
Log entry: 7.53.39
